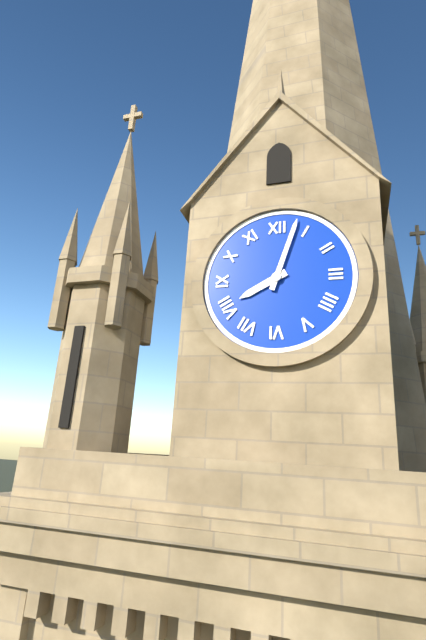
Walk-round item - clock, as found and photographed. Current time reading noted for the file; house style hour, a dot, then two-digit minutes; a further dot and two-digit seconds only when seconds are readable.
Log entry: 8.03
